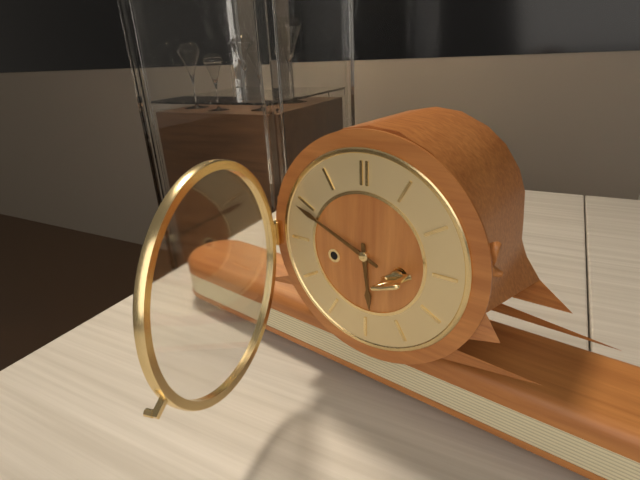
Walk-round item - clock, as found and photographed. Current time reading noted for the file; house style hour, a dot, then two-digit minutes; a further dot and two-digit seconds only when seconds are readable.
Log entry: 5.49
